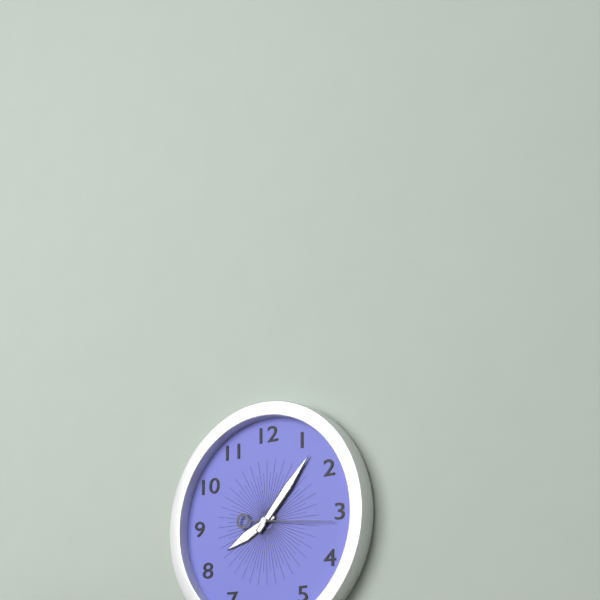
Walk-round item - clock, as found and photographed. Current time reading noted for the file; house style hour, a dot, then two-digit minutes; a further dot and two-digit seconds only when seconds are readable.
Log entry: 8.07.16
